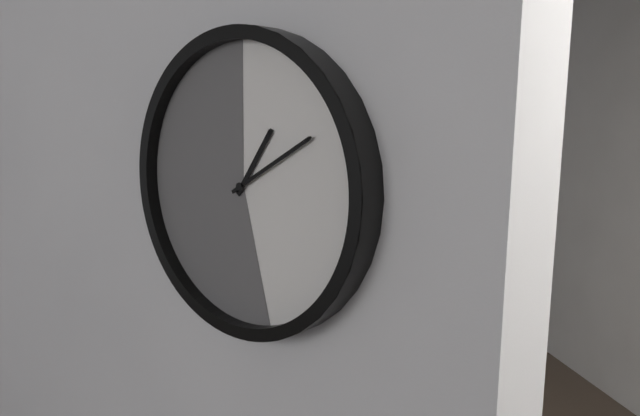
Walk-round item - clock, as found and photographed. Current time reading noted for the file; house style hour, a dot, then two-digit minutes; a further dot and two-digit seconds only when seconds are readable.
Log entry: 1.10
